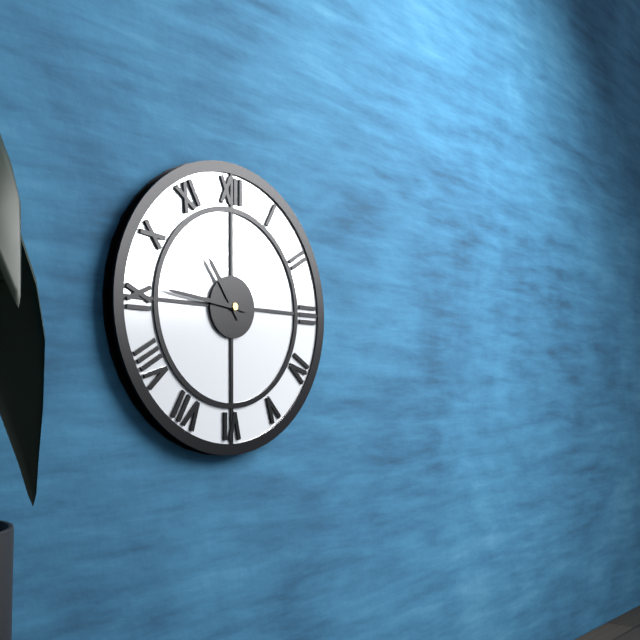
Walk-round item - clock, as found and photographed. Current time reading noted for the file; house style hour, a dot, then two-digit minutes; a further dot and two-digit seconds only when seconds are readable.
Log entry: 10.46
